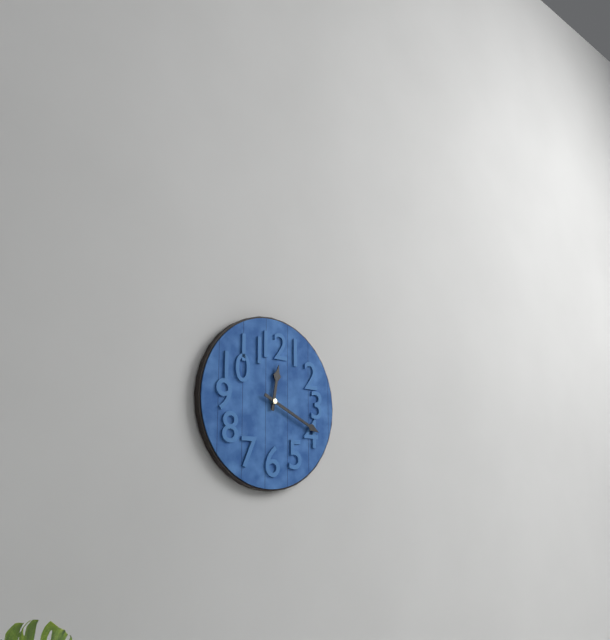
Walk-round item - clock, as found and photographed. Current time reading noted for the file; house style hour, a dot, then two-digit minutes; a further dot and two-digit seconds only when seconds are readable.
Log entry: 12.19
